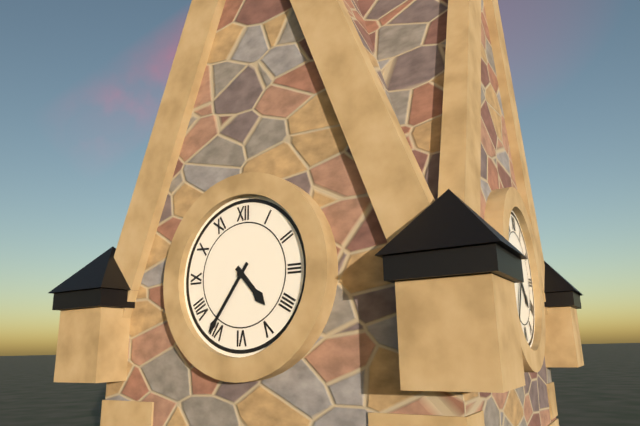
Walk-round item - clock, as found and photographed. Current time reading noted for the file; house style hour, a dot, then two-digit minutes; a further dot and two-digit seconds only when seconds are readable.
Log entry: 4.36
